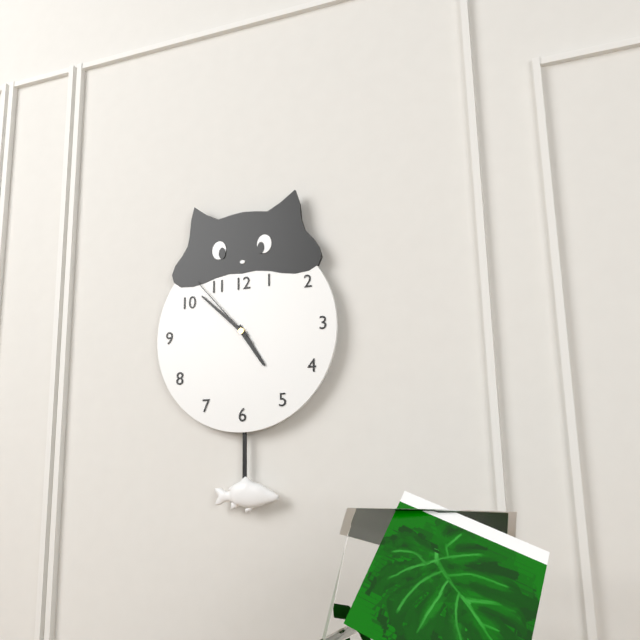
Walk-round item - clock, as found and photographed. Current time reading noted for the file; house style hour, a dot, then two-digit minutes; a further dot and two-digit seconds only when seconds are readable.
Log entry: 4.52.53
